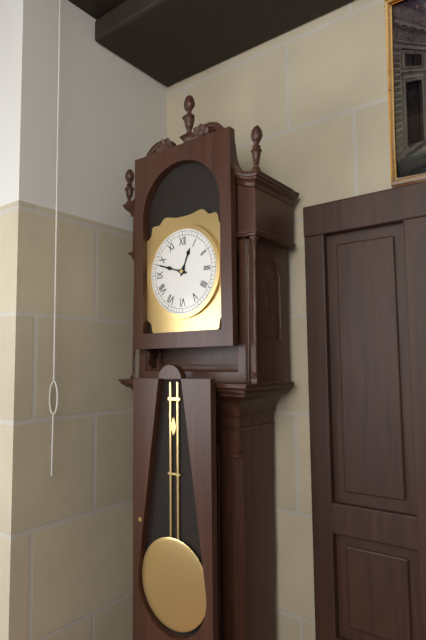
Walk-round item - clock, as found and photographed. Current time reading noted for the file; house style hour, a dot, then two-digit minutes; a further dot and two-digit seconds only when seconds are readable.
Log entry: 12.48
